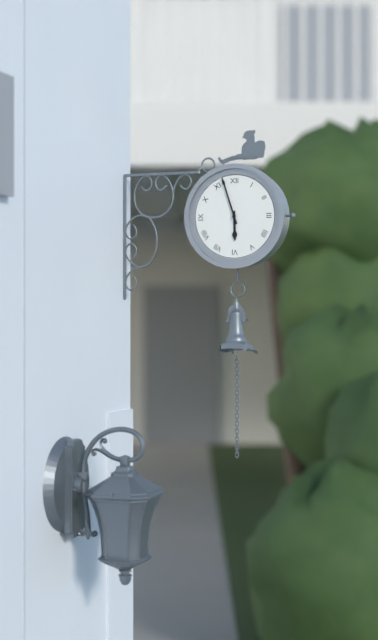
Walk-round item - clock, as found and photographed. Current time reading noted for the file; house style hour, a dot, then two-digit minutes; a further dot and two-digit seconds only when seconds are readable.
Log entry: 5.57
